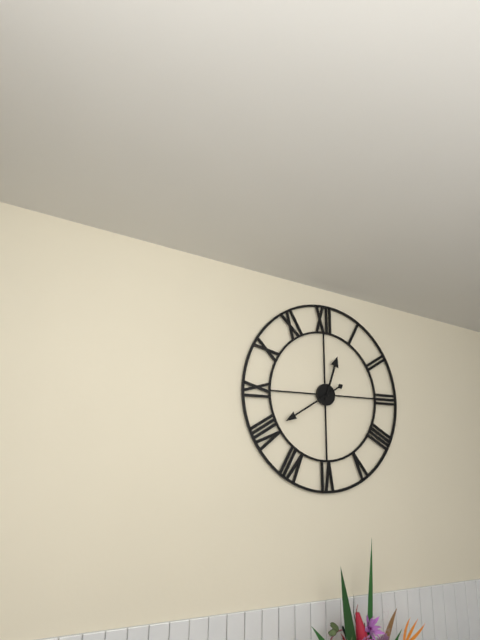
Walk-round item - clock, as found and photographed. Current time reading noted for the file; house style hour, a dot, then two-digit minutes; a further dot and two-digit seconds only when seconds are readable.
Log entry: 12.40
